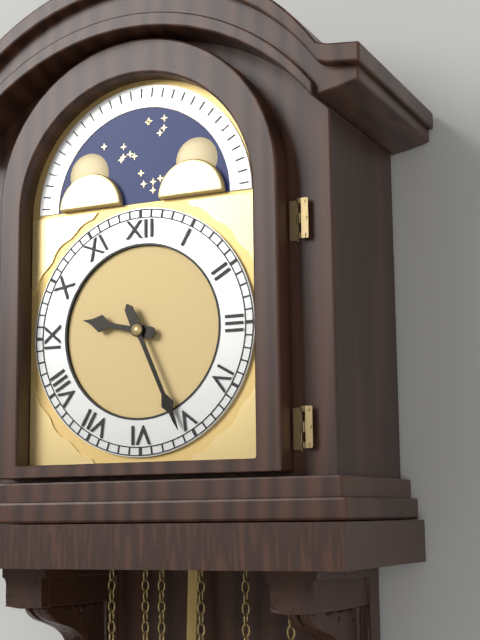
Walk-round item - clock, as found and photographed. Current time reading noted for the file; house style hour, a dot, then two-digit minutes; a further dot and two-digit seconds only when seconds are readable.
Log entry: 9.26
